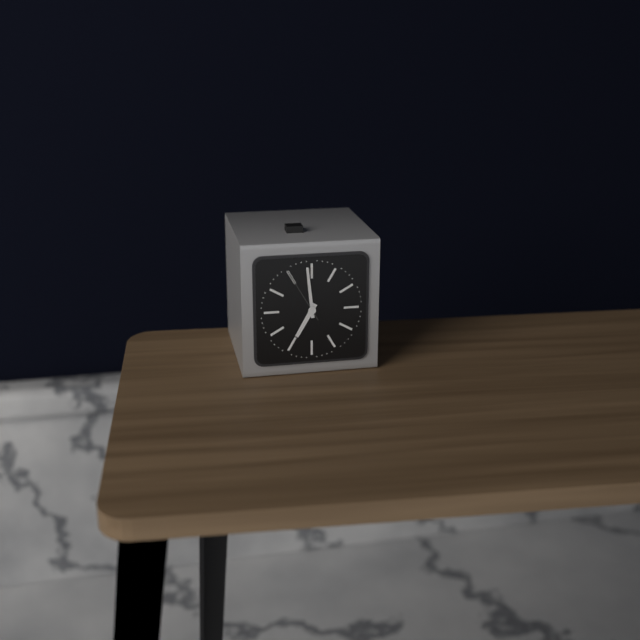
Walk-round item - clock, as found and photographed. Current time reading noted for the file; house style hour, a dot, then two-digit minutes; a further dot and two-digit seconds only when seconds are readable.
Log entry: 6.59.55
